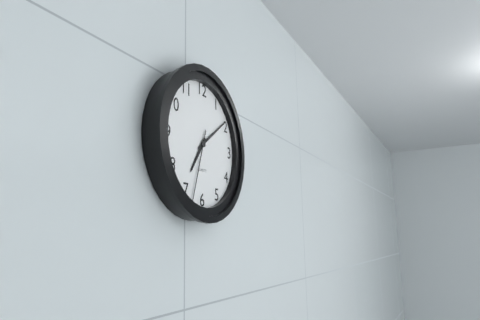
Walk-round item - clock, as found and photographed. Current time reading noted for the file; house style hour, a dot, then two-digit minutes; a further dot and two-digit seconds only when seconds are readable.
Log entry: 7.09.33
